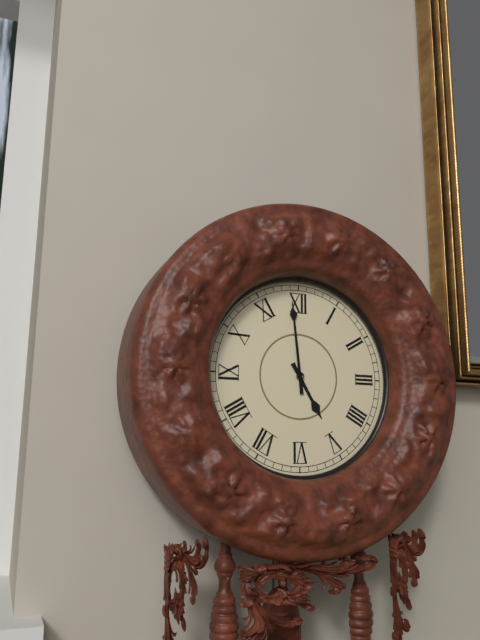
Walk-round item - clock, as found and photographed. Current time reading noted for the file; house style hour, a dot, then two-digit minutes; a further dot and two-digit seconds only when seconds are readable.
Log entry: 4.59
